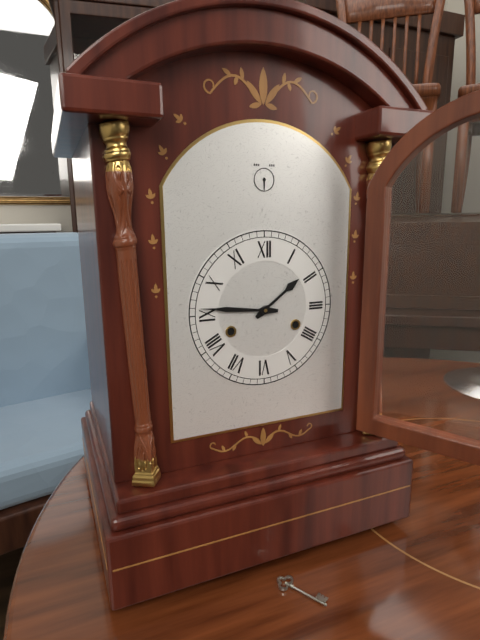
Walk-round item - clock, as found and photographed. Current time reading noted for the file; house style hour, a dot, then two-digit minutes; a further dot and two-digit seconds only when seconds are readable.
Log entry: 1.46
